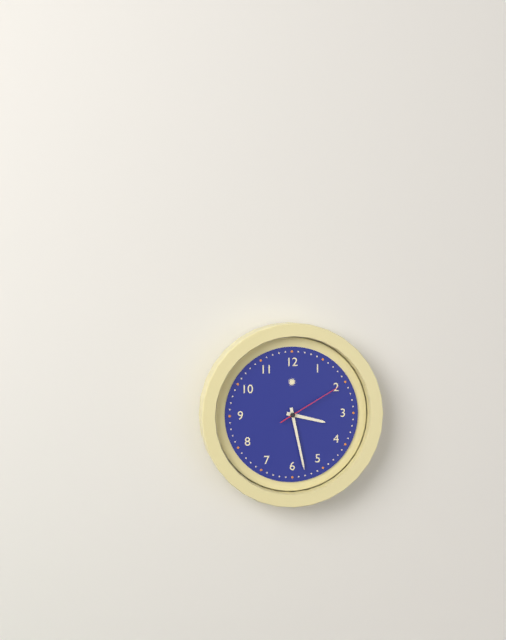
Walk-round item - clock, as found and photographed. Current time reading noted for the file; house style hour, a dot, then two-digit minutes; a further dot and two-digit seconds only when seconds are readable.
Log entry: 3.28.10
